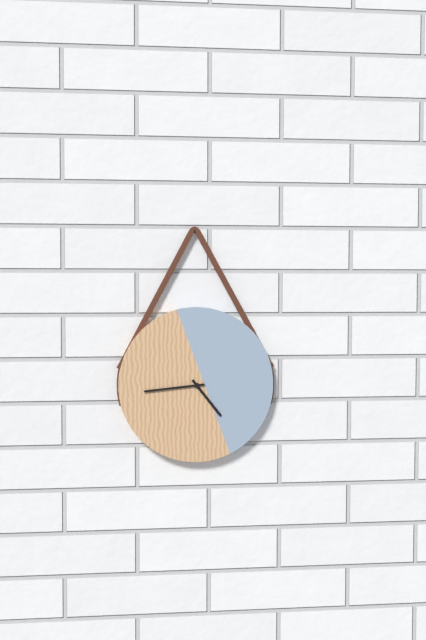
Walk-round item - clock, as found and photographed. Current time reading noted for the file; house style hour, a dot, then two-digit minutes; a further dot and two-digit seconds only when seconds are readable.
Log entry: 4.44
